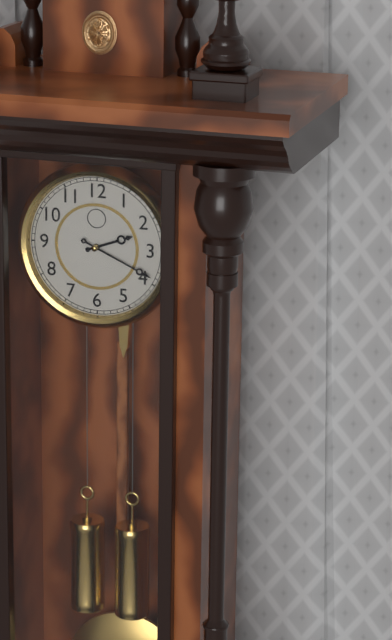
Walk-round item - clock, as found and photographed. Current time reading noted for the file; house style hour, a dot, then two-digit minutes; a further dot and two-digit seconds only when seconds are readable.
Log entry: 2.19
